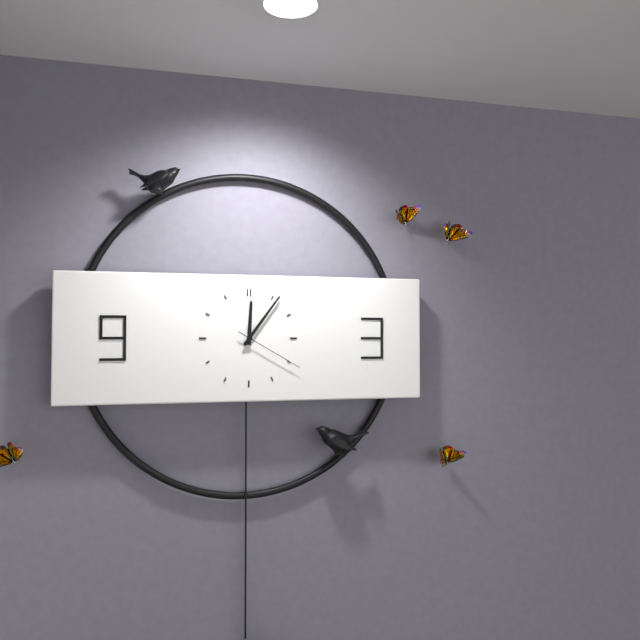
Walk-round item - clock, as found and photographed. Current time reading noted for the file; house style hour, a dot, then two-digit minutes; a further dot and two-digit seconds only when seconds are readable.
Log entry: 12.06.20
